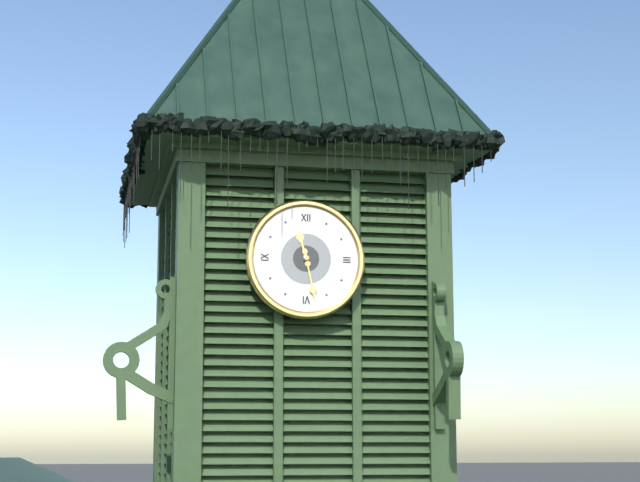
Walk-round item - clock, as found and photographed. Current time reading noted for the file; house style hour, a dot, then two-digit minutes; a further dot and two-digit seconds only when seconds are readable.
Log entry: 11.28
